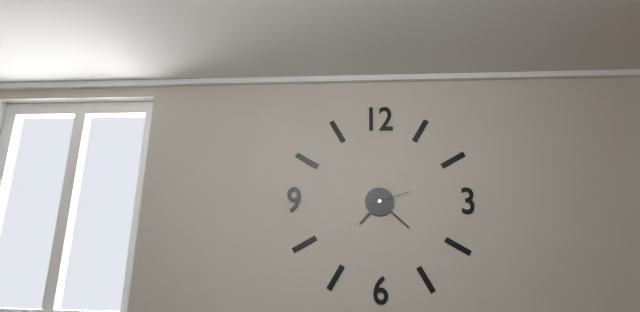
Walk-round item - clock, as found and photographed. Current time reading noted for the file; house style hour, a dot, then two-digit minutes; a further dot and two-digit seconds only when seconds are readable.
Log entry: 7.22
